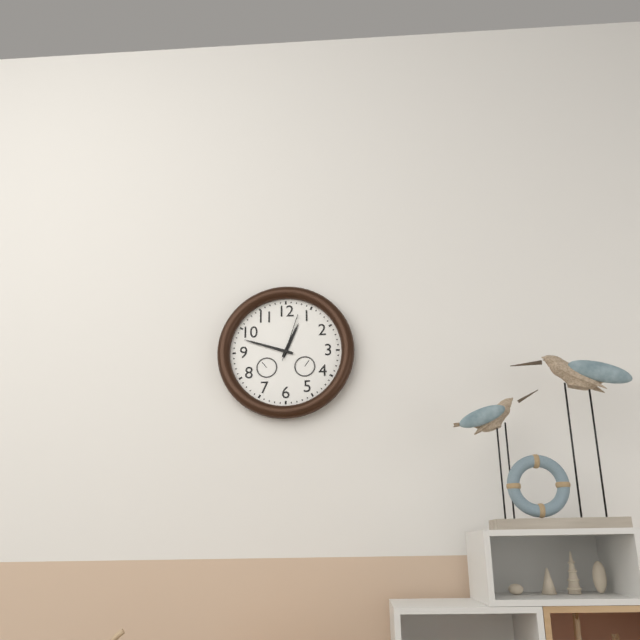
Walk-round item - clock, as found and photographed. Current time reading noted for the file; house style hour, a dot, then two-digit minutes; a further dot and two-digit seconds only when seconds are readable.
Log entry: 12.48.03
